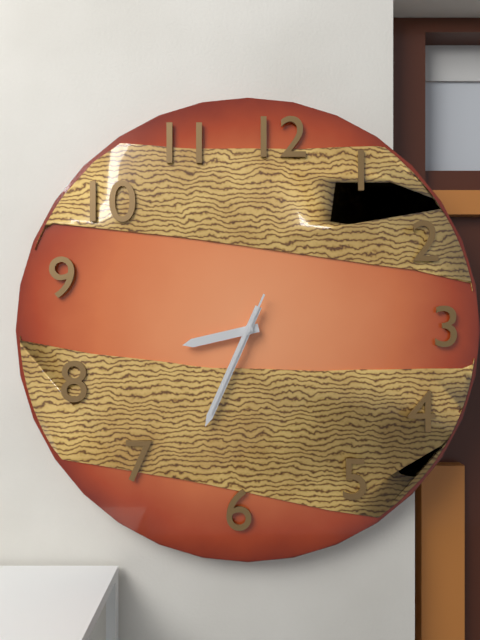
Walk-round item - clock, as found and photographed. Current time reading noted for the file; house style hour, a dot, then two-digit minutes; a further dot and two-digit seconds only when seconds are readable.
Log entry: 8.34.34
